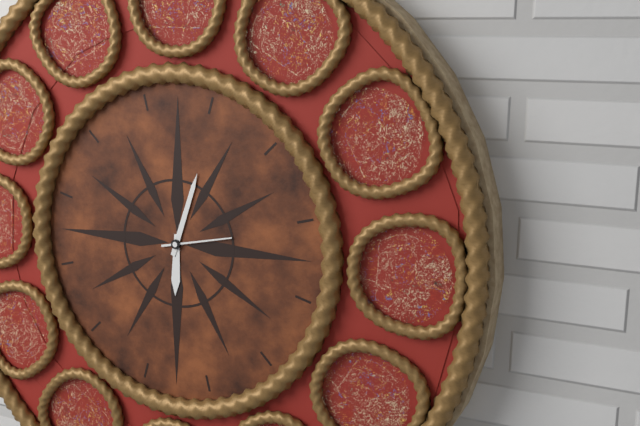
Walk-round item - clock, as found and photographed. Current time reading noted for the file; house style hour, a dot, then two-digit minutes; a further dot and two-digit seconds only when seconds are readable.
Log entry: 6.03.13
